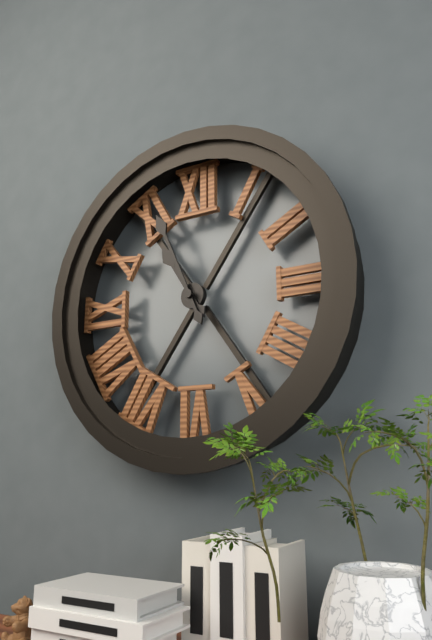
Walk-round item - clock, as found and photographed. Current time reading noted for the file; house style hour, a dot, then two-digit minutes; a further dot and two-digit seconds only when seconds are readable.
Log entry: 10.56
